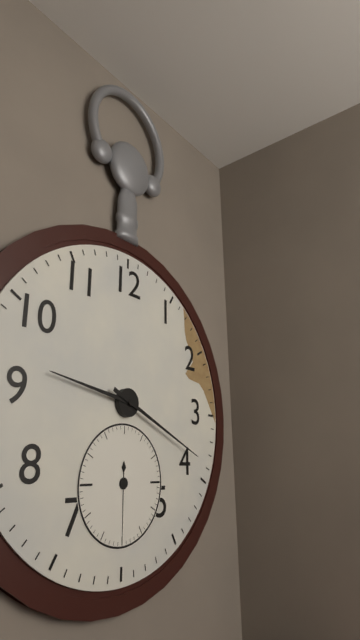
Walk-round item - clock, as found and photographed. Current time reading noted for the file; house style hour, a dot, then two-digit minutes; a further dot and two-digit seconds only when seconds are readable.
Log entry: 9.19.30
